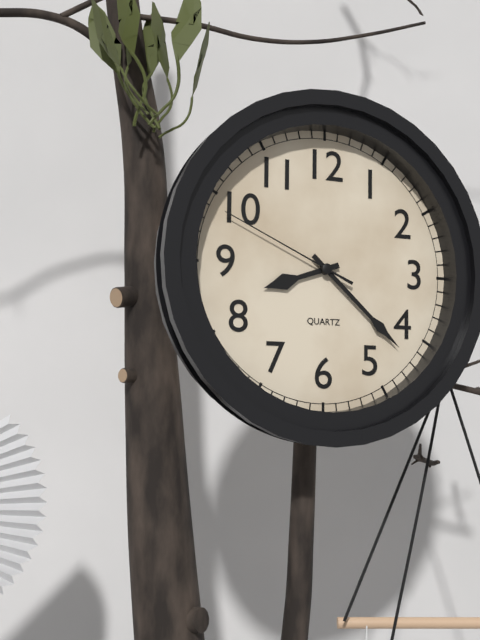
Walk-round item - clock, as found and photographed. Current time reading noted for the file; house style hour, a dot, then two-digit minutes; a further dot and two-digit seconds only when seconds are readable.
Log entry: 8.22.49
